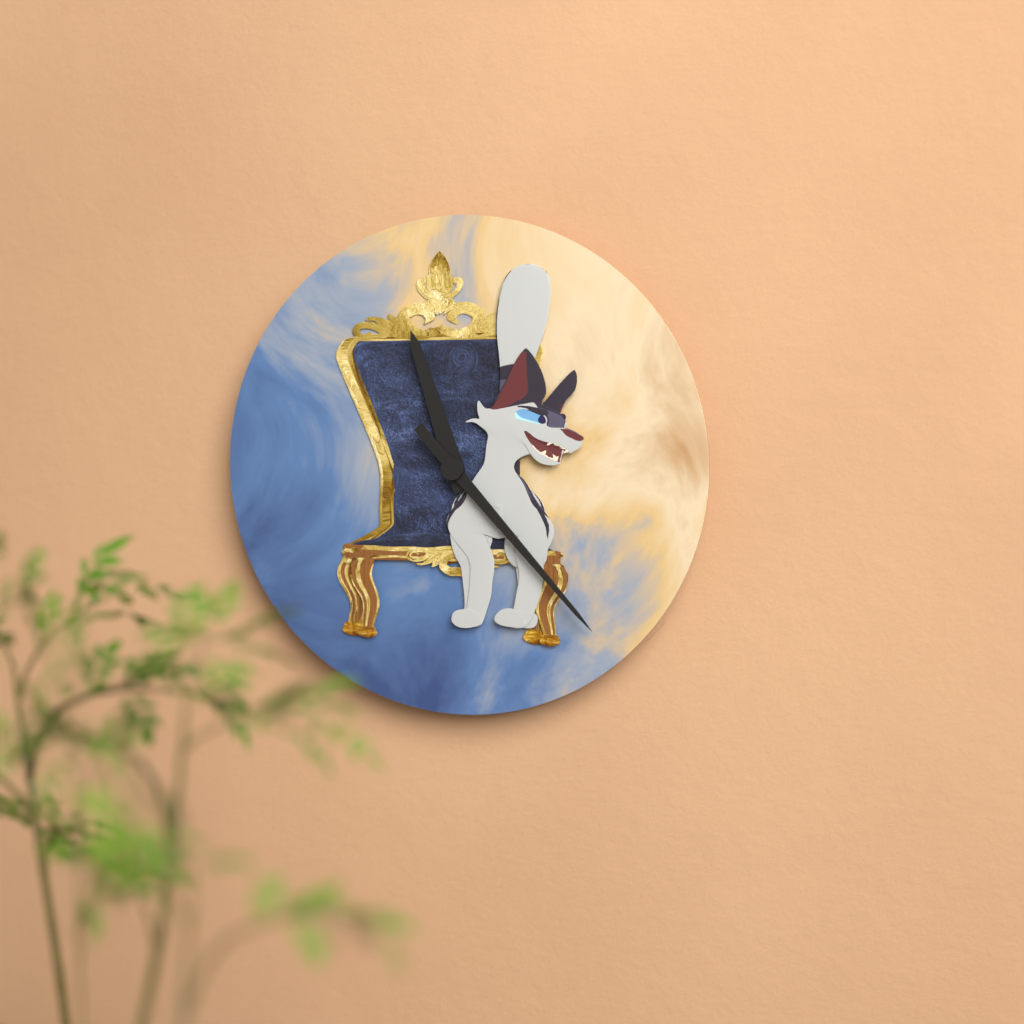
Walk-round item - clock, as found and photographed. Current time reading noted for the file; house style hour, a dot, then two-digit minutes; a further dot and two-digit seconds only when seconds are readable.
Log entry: 11.23
